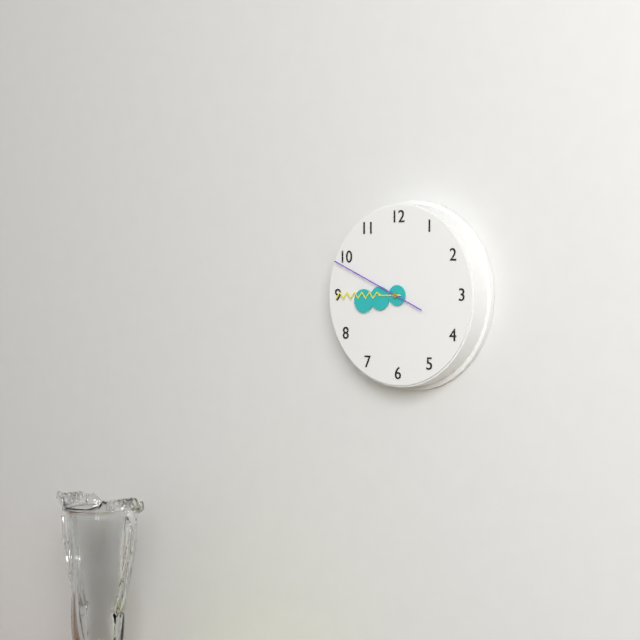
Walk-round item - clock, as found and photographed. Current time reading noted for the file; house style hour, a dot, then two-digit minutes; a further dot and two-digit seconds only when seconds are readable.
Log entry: 8.45.49
